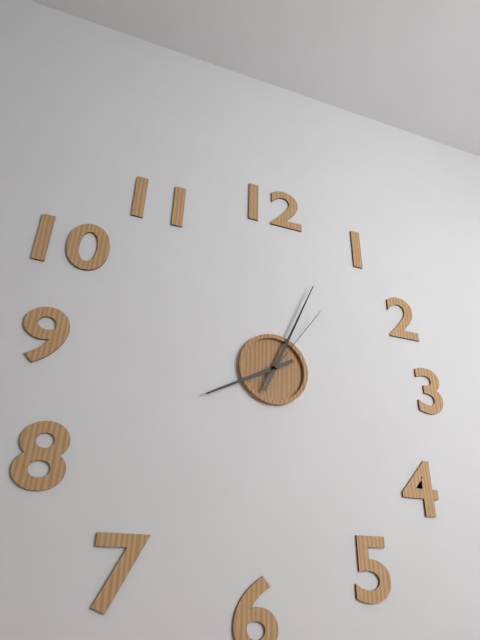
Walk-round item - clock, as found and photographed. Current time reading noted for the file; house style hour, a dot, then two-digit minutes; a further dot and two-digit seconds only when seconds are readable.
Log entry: 8.04.06
